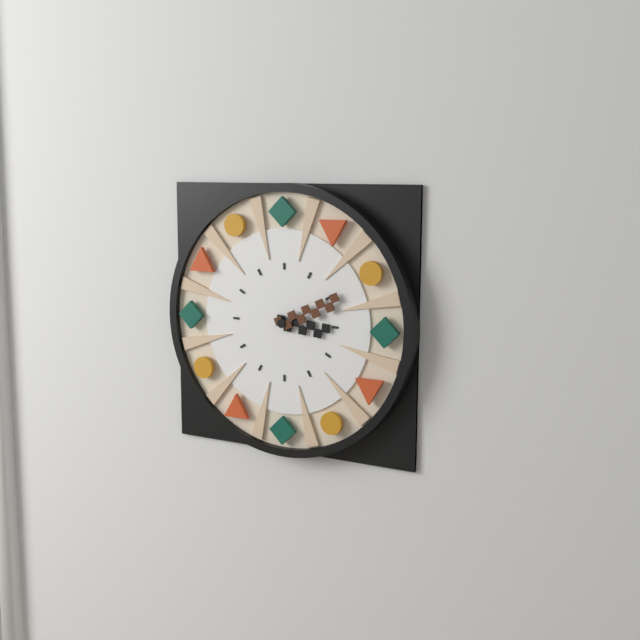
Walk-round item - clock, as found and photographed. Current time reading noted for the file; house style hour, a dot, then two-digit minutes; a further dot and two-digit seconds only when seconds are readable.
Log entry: 3.11
